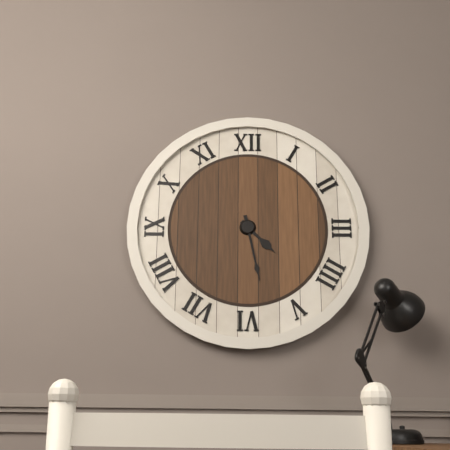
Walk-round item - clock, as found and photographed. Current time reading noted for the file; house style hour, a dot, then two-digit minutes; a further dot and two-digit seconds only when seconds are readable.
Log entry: 4.28
